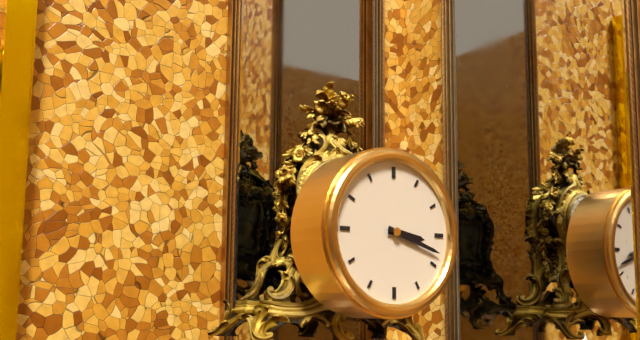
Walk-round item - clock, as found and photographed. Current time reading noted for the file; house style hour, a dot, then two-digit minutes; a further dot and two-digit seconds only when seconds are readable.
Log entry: 3.18
